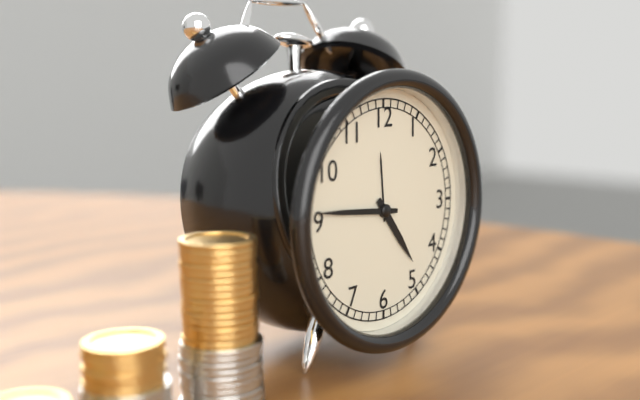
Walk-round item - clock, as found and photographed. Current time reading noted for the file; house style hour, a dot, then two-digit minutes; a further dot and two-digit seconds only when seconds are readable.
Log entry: 4.46
